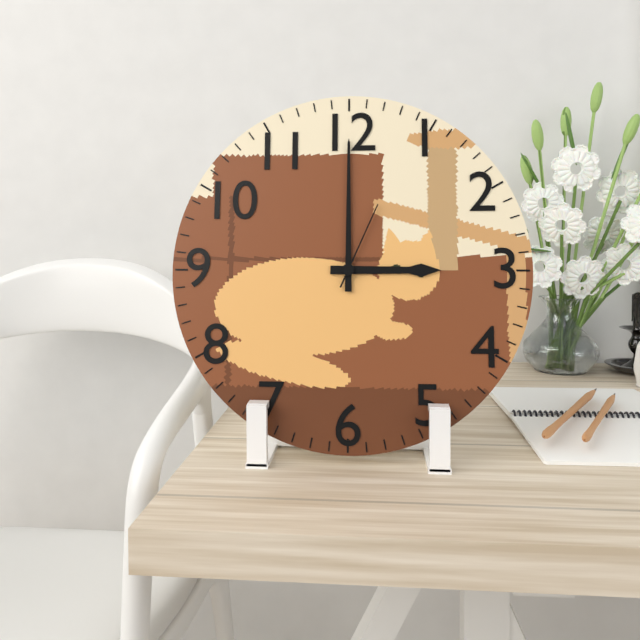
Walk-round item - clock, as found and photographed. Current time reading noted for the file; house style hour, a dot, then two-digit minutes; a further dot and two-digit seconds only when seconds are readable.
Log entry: 3.00.04
